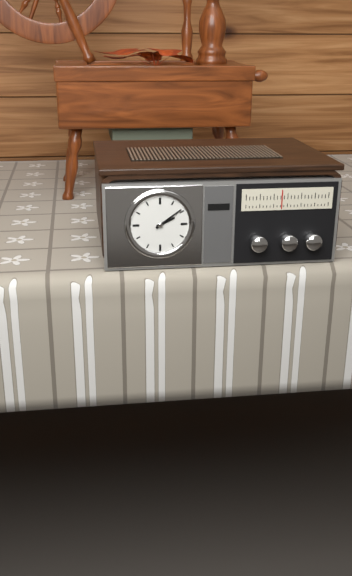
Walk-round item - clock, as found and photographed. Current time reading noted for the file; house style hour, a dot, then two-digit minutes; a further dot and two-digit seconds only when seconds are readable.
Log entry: 2.09
